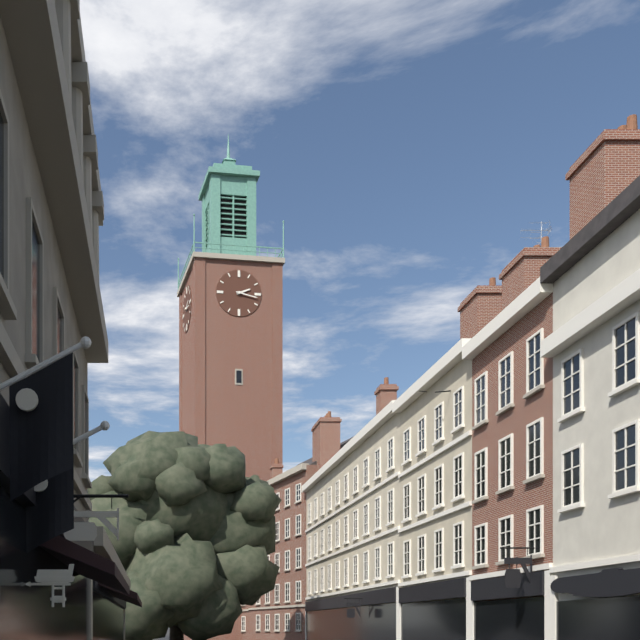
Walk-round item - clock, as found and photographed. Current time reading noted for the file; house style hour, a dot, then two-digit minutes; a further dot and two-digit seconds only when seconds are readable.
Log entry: 2.17
